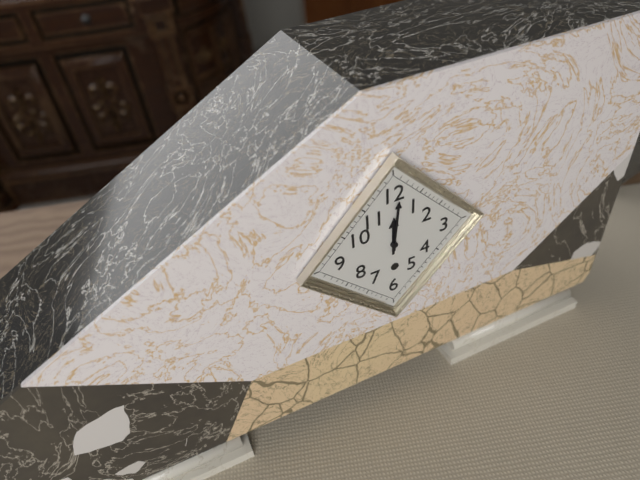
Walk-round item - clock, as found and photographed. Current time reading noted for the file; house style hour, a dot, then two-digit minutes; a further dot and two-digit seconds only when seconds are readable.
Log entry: 12.01
